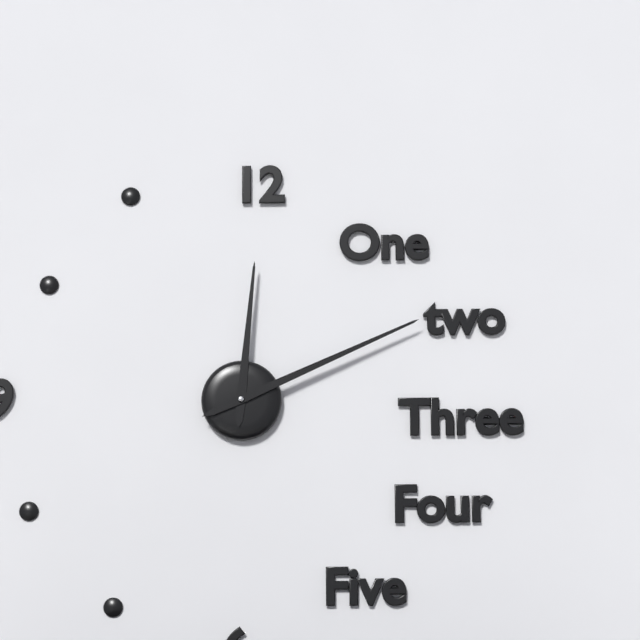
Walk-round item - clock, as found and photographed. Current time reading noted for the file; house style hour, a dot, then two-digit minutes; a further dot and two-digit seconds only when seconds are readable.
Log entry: 12.11
